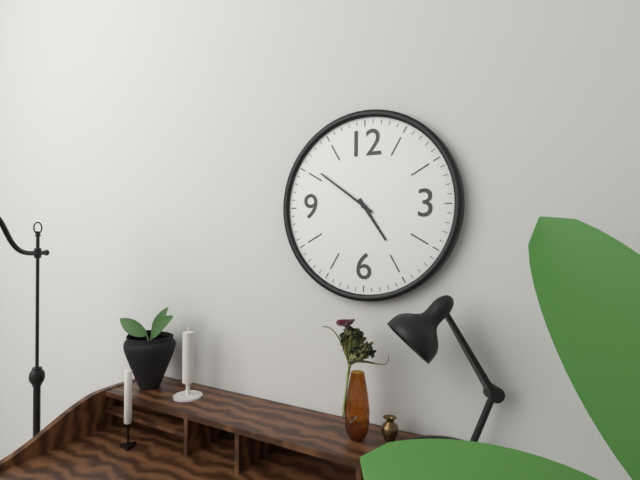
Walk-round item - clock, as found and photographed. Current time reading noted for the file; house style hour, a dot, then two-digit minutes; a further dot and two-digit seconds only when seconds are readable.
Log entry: 4.51
